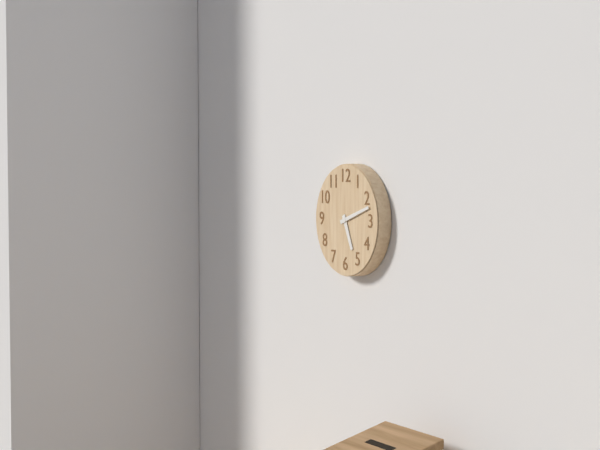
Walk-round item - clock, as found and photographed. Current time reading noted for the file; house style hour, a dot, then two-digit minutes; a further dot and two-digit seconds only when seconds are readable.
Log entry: 5.12
